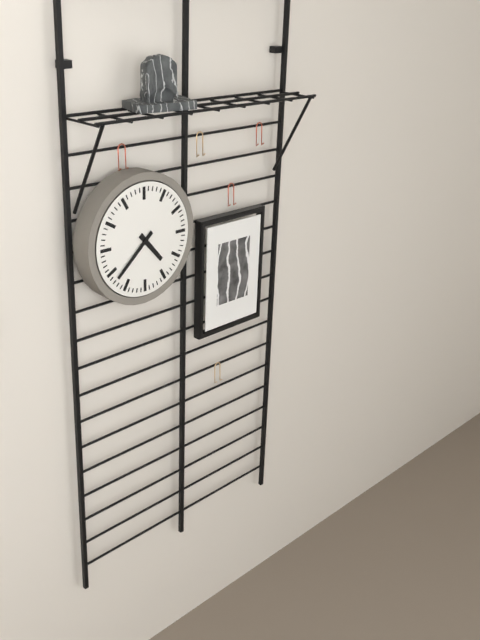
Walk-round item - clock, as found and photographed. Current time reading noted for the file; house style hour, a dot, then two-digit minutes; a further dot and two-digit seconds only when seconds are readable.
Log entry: 4.38
